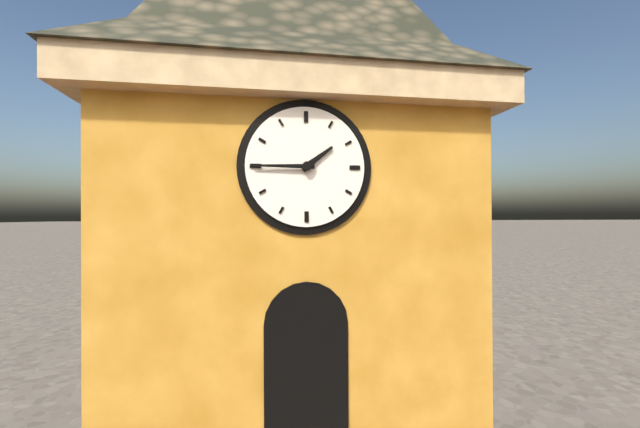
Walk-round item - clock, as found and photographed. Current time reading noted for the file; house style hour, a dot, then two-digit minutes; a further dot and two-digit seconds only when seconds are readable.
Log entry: 1.45
